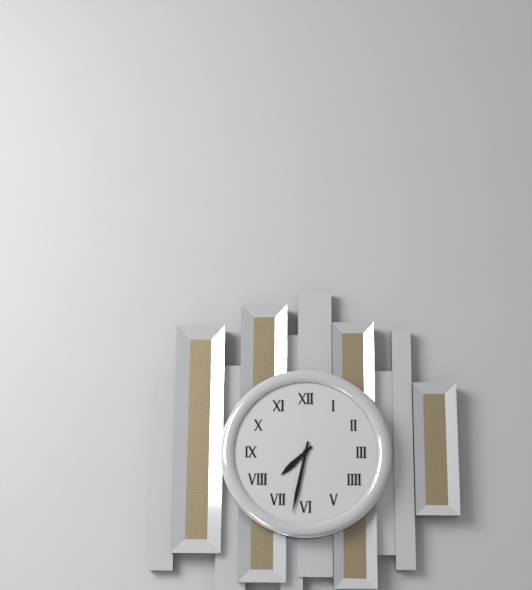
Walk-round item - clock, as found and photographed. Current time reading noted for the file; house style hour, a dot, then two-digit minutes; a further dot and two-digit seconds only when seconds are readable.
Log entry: 7.32
